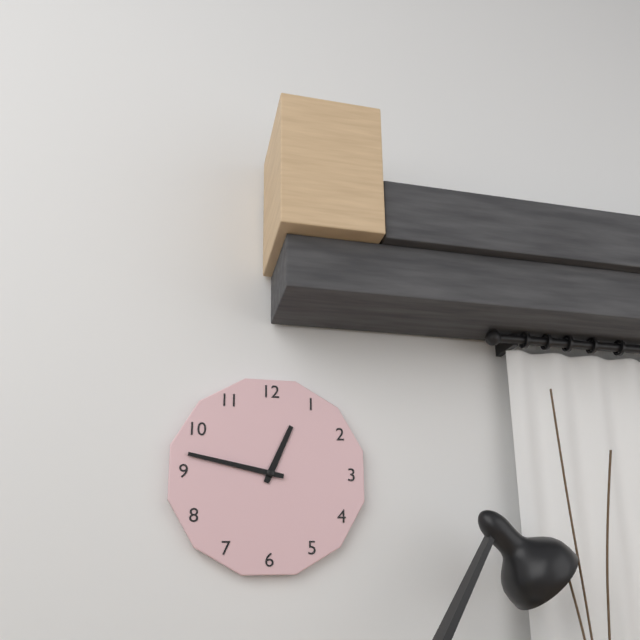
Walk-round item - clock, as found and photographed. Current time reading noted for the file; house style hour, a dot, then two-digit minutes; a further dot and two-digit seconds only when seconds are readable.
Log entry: 12.47
